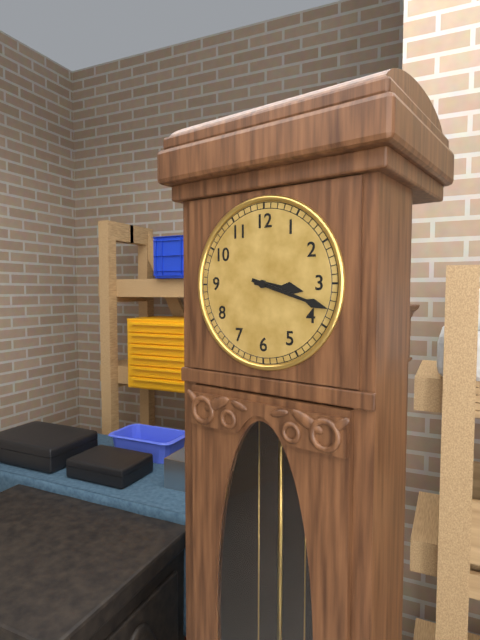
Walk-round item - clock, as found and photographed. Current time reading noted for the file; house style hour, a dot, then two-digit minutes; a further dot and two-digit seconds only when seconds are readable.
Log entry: 3.18
